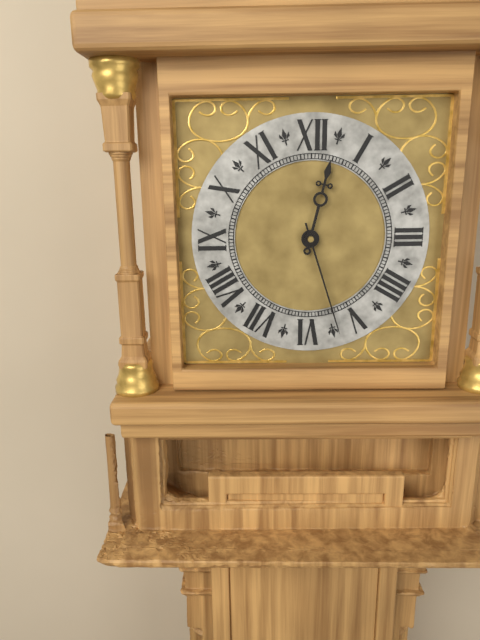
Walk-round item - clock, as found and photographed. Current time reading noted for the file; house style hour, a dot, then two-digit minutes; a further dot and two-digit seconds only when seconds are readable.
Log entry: 12.27
